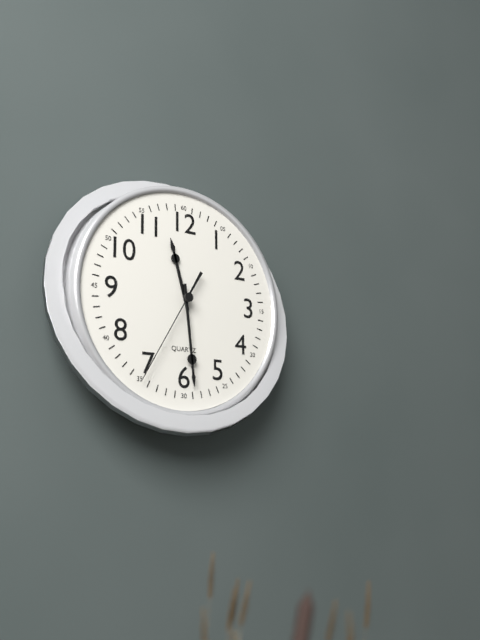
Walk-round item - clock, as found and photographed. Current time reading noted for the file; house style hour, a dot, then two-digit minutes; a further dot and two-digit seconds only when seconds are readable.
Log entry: 11.29.35
